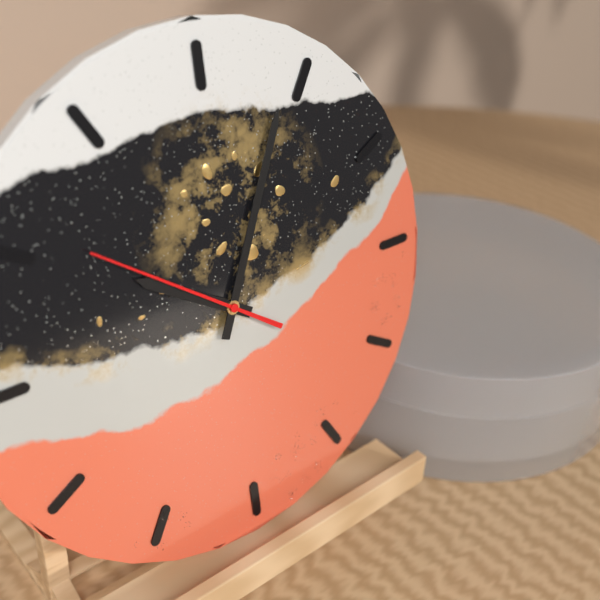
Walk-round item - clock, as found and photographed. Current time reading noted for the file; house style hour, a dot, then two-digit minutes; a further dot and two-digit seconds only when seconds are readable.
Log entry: 10.04.51
